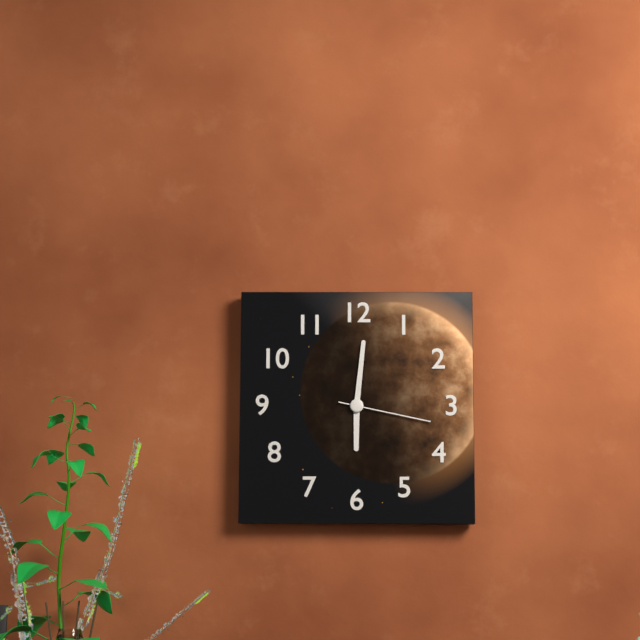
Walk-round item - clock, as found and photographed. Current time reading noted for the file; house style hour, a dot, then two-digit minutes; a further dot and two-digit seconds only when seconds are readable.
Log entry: 6.01.17
